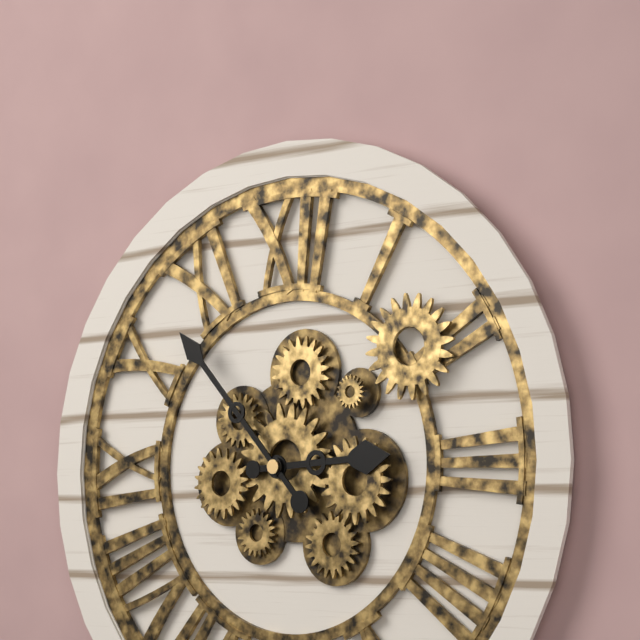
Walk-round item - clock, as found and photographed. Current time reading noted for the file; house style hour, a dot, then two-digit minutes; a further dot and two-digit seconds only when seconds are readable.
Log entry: 2.53
